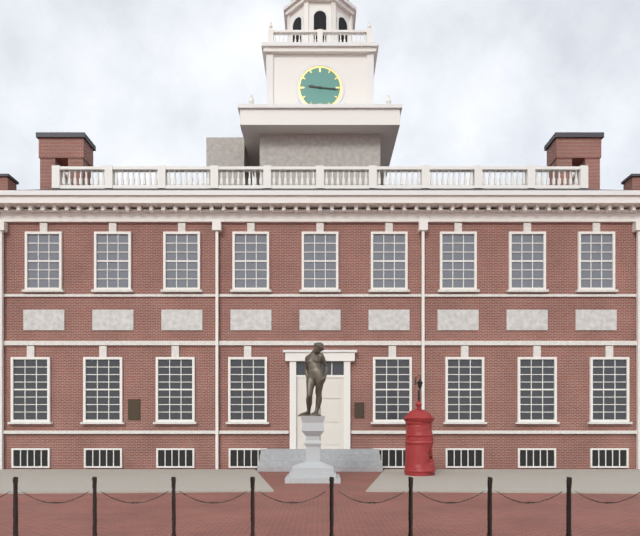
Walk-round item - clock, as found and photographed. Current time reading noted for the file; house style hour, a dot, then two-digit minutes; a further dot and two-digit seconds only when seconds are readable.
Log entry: 9.16
